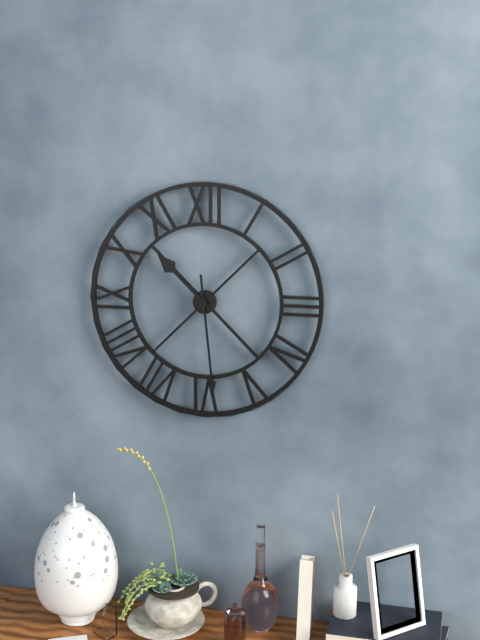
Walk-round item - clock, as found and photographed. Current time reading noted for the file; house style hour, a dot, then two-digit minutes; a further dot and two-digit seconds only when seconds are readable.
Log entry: 10.29
